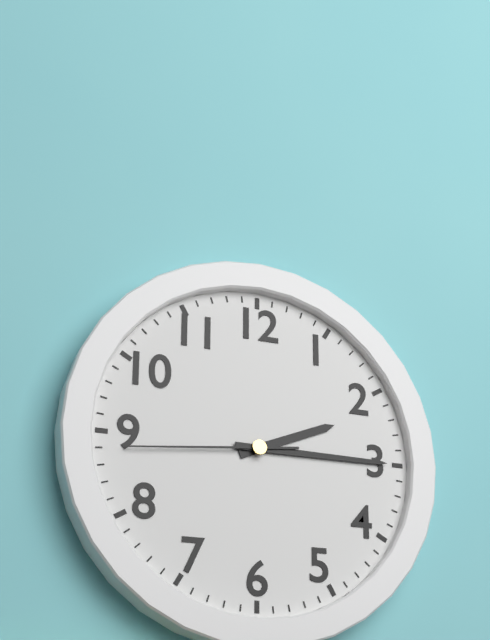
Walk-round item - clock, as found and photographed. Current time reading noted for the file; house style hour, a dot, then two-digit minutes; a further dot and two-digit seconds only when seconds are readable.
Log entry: 2.15.44
